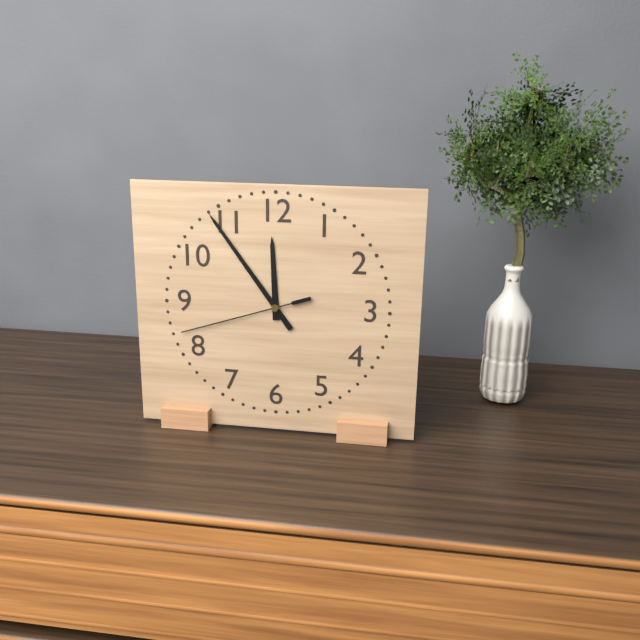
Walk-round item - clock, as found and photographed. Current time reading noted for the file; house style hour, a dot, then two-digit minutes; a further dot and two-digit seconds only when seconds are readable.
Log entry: 11.54.42
